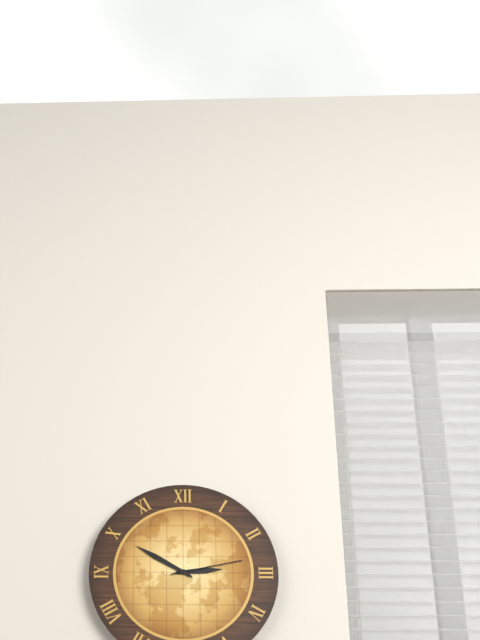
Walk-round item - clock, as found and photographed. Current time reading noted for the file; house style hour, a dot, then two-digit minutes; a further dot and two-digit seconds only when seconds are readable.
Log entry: 2.50.13
